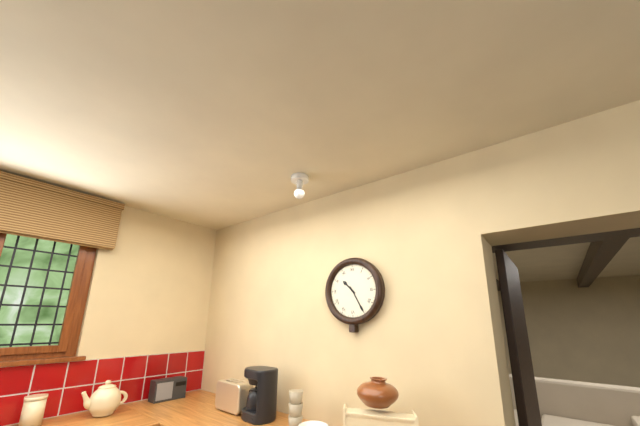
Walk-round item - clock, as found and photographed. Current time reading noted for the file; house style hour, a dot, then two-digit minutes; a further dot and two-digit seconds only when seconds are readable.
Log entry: 10.25
